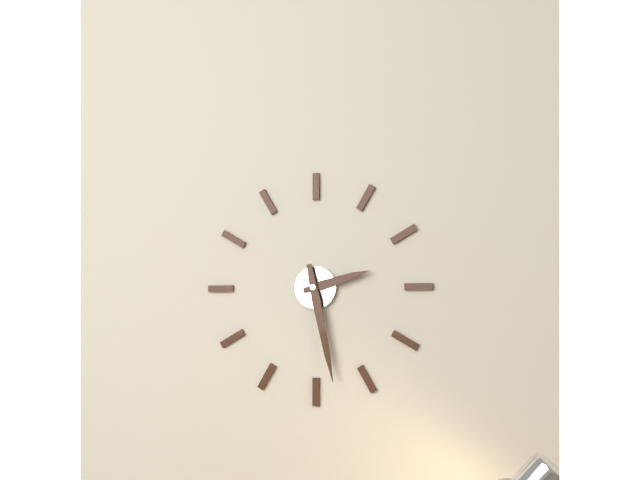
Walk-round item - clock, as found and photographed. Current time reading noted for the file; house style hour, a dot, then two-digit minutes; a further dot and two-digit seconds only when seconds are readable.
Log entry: 2.28
